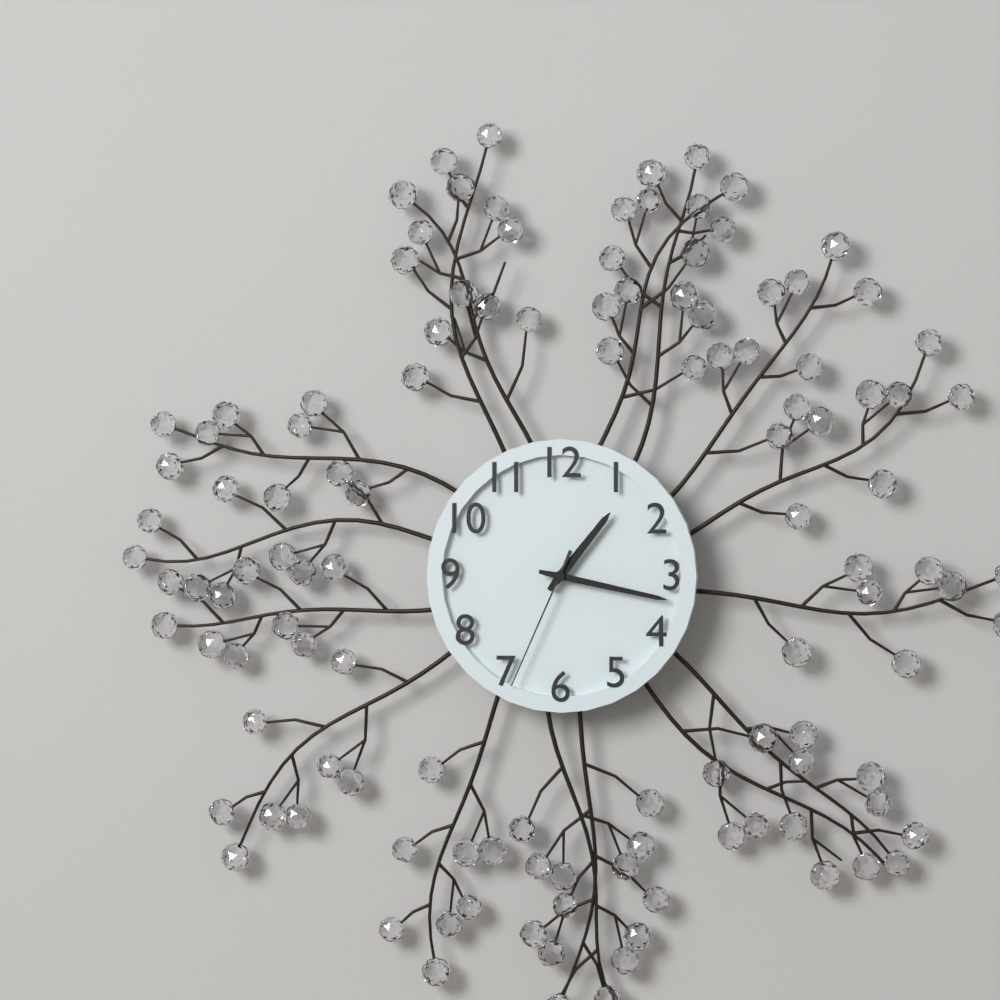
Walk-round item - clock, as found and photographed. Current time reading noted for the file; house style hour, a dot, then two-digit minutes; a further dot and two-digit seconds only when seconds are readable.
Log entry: 1.17.34
